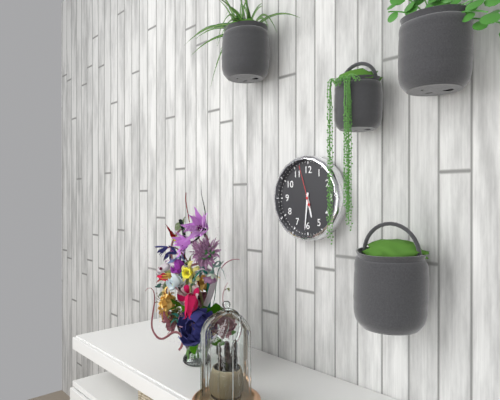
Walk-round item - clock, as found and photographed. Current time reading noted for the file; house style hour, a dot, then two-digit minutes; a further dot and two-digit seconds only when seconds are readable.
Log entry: 5.31
